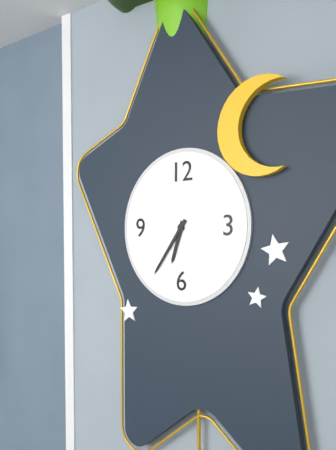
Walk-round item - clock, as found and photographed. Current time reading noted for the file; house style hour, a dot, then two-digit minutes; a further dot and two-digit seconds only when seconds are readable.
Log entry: 6.36
